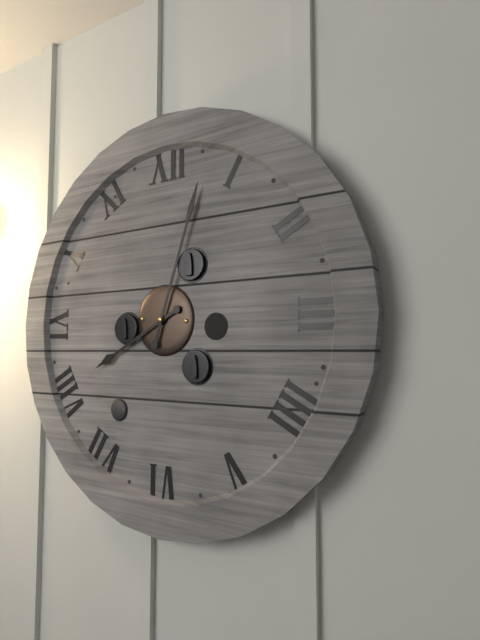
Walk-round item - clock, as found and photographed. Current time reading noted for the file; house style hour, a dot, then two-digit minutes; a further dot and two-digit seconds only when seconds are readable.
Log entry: 8.03
